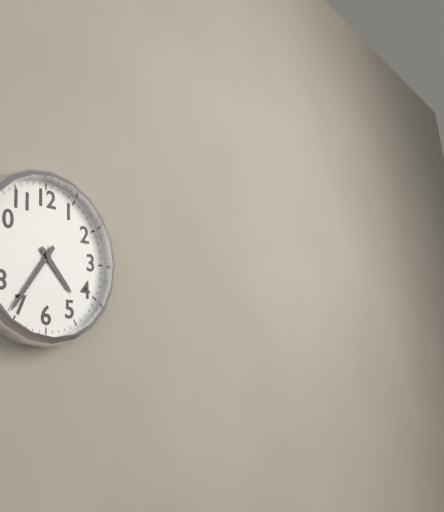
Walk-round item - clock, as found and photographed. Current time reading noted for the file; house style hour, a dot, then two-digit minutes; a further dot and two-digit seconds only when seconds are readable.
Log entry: 4.36
